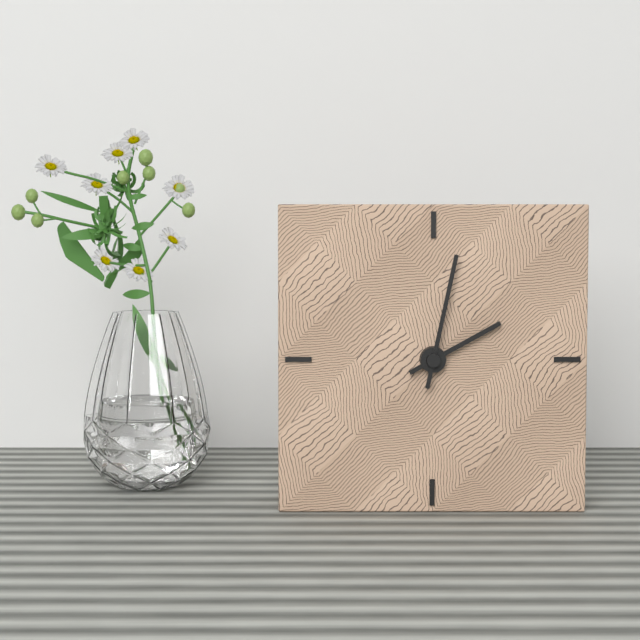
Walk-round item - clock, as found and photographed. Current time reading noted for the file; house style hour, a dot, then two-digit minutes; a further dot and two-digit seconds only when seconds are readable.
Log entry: 2.02
